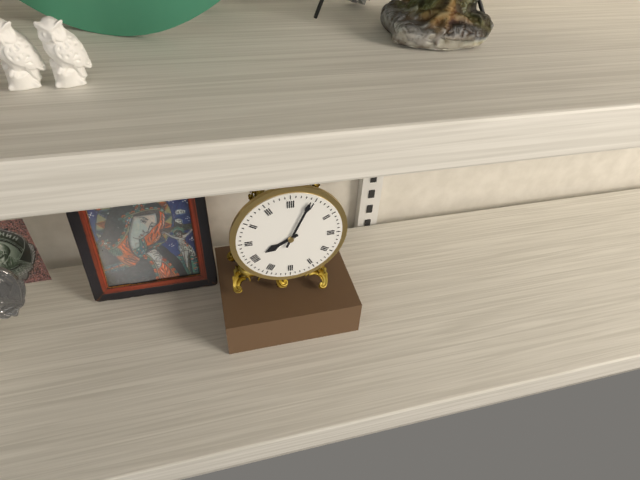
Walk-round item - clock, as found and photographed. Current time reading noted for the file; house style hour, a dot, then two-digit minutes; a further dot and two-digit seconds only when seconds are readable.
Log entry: 8.04
